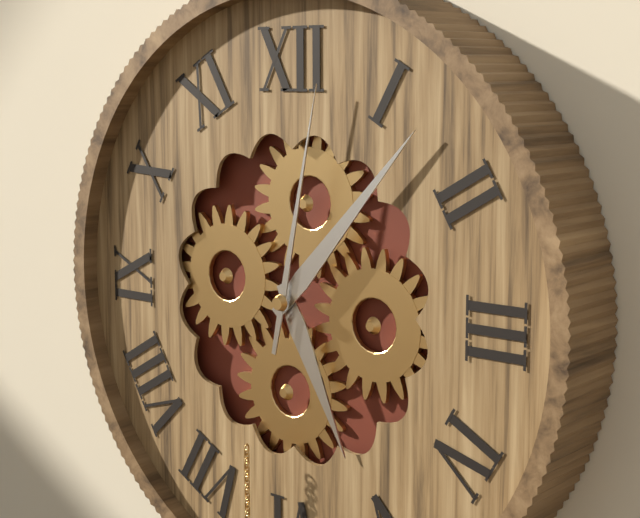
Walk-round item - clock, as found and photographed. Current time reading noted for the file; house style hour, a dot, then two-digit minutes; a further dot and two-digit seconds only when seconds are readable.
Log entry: 5.07.02
